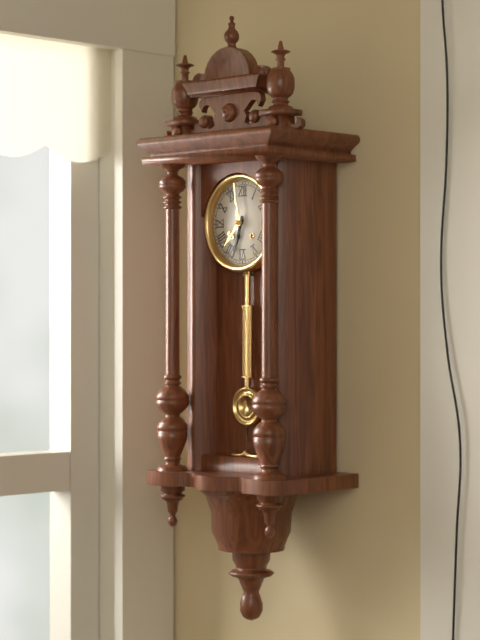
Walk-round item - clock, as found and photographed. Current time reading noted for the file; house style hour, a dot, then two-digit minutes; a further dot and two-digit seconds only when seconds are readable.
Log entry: 6.33
